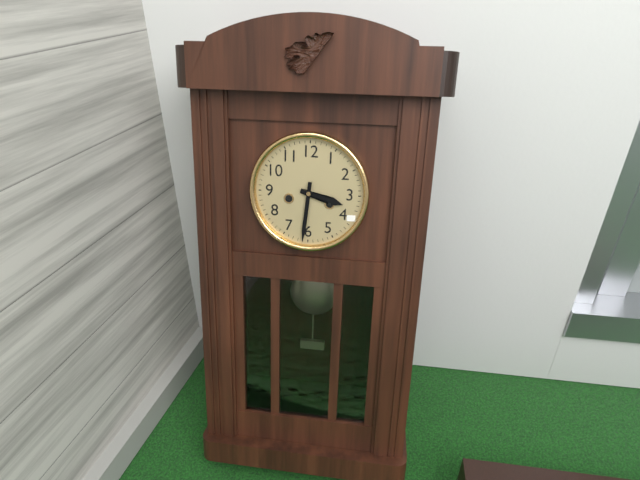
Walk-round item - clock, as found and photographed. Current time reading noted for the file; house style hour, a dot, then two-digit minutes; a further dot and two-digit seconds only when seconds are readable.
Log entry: 3.31
